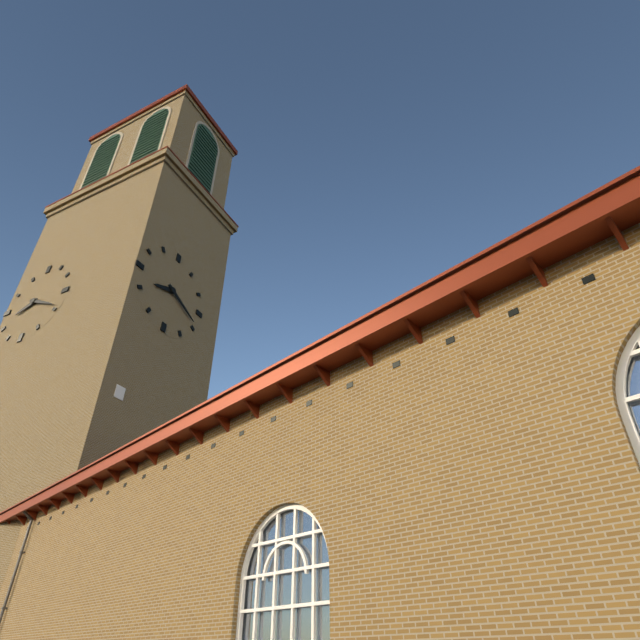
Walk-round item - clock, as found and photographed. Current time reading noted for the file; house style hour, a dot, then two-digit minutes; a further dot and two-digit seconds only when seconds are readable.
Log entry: 8.19
